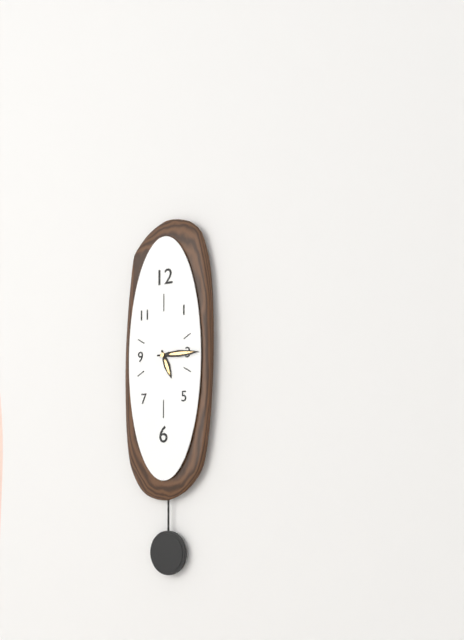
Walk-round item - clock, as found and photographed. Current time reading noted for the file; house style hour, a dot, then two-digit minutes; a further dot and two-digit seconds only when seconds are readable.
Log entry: 5.15
